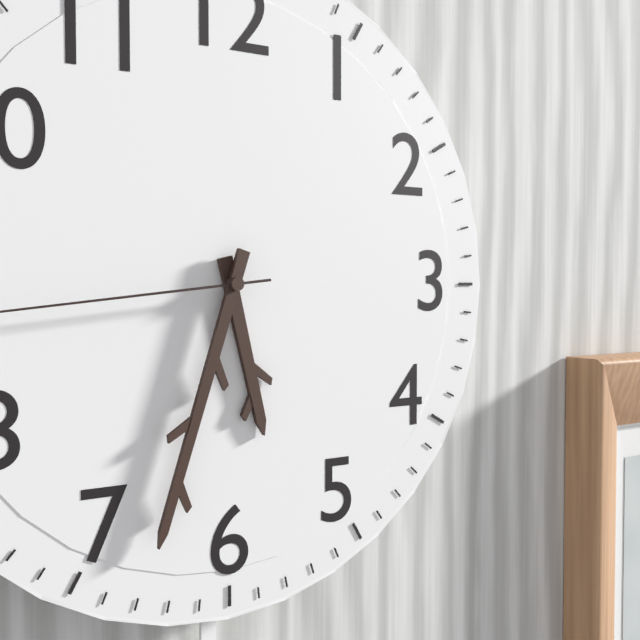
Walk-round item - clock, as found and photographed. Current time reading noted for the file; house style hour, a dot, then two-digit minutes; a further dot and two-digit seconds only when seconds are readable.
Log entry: 5.33
